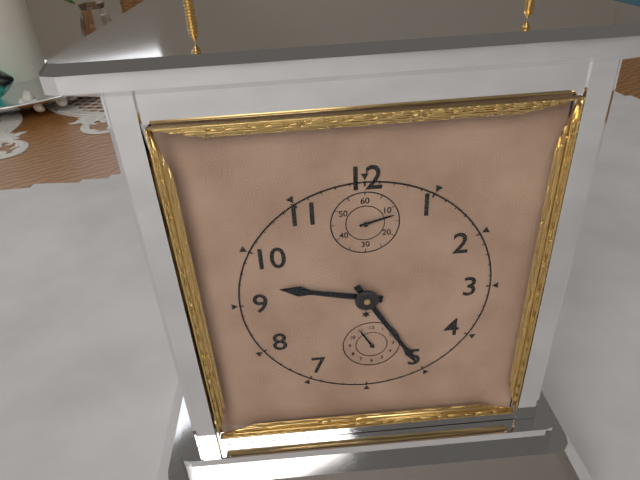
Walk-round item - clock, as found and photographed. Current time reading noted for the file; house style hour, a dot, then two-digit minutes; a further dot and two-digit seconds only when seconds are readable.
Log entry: 9.25
